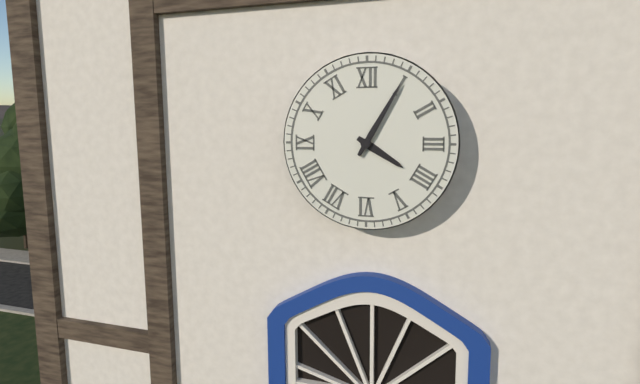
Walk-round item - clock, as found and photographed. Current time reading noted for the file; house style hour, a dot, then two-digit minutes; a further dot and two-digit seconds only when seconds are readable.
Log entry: 4.05
